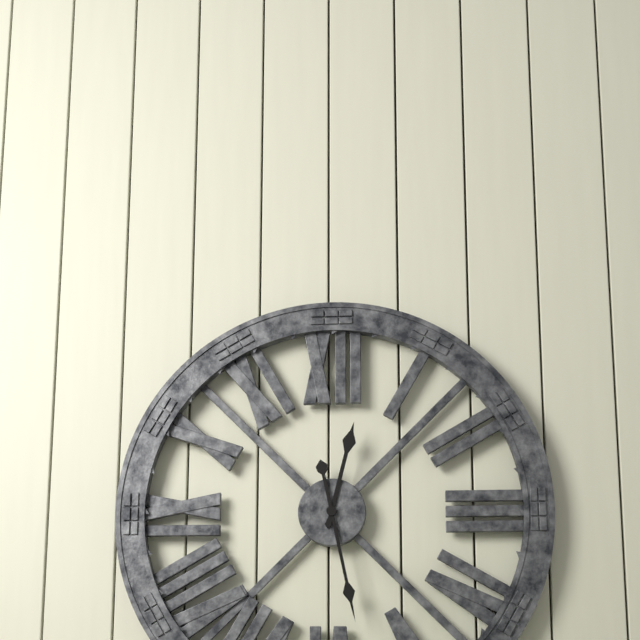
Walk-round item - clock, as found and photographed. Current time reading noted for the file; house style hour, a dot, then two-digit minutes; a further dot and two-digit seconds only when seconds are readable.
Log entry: 12.28
